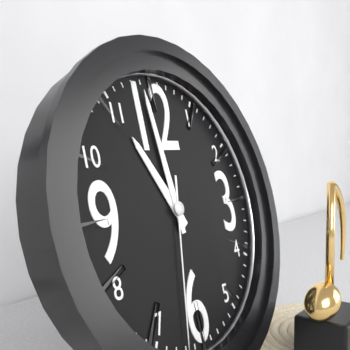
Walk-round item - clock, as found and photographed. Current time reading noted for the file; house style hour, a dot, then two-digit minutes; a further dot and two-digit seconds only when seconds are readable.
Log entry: 10.59
